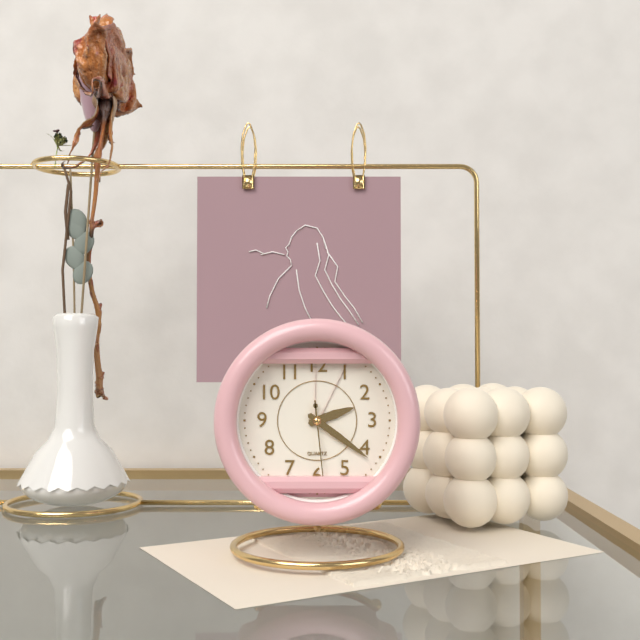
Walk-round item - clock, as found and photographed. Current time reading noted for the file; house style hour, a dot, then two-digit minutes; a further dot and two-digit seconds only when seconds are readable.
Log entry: 2.21.29
